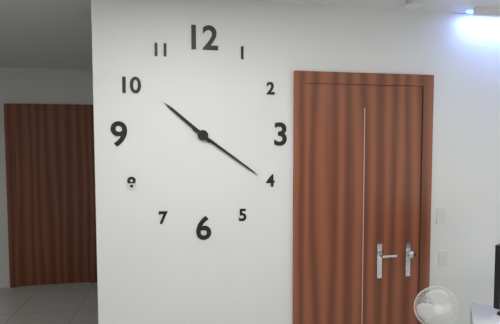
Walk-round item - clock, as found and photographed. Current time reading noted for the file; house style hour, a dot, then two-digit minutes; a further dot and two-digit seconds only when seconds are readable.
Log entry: 10.21
